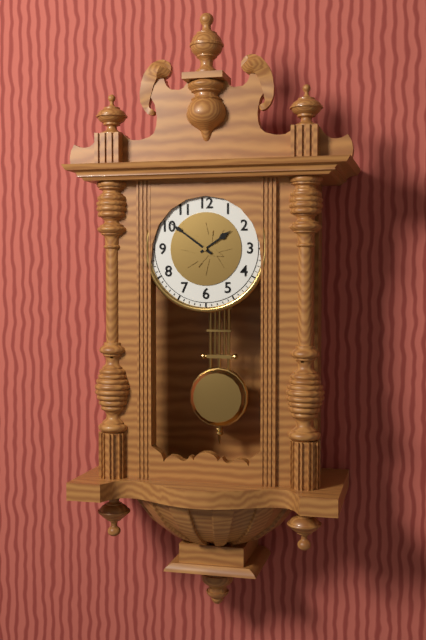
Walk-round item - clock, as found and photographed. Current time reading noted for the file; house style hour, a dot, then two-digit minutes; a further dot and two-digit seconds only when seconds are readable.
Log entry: 1.51
